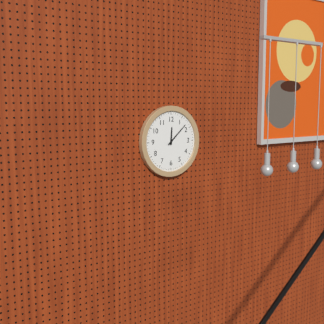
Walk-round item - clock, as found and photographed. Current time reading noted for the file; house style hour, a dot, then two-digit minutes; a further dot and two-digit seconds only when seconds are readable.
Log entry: 12.08
